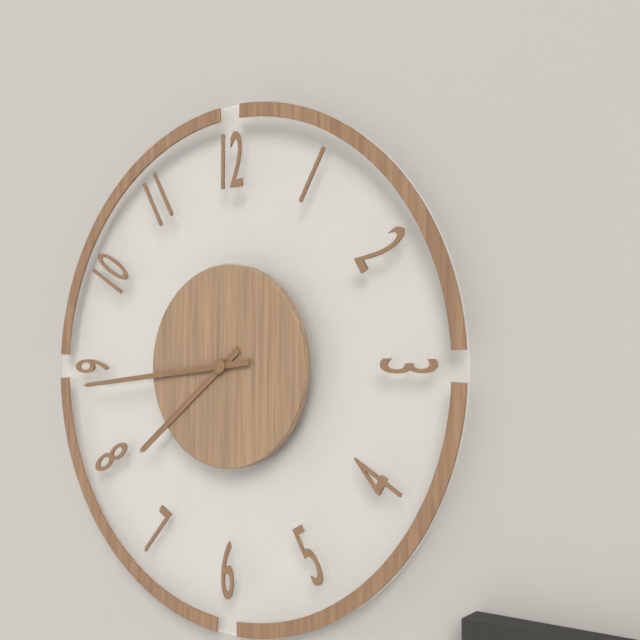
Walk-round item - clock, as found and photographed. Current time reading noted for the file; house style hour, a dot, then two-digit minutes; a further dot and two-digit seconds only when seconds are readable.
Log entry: 7.44
